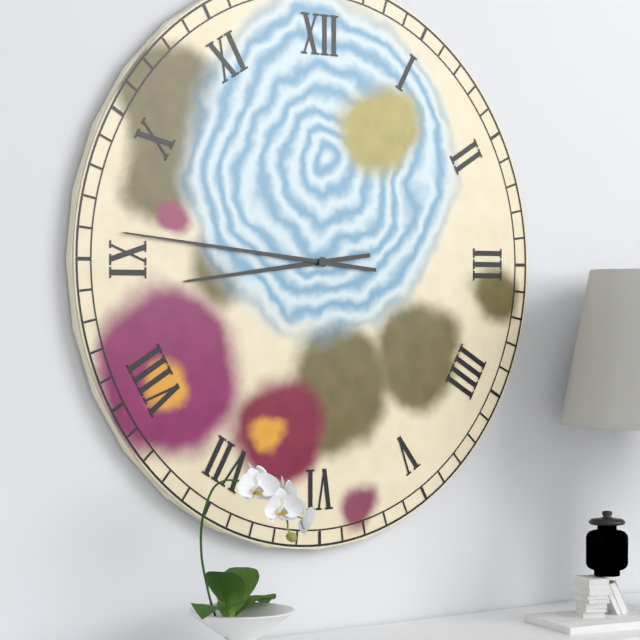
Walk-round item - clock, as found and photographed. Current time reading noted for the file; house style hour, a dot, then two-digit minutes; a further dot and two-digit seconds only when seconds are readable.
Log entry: 8.46
